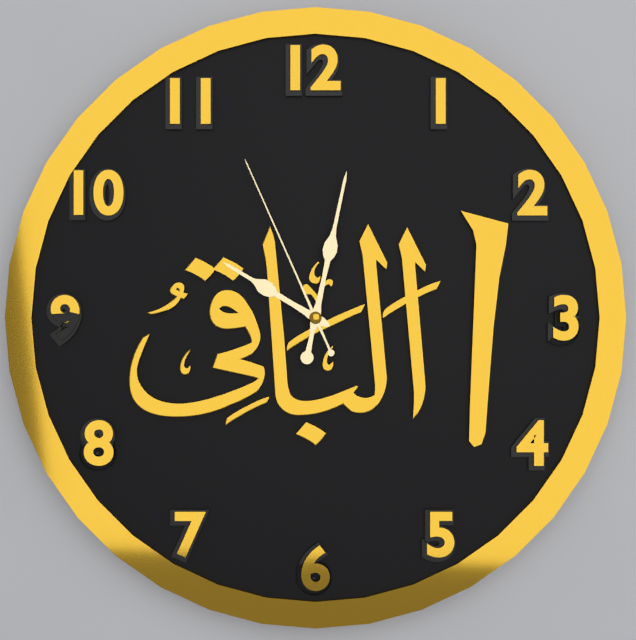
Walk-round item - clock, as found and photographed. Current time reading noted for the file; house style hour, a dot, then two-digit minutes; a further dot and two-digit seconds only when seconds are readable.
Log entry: 10.02.56
